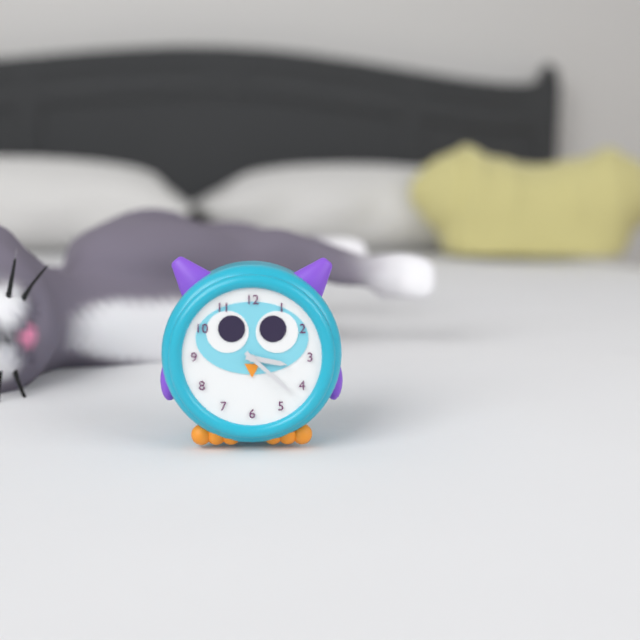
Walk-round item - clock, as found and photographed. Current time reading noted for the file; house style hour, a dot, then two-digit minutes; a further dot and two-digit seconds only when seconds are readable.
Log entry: 3.22
